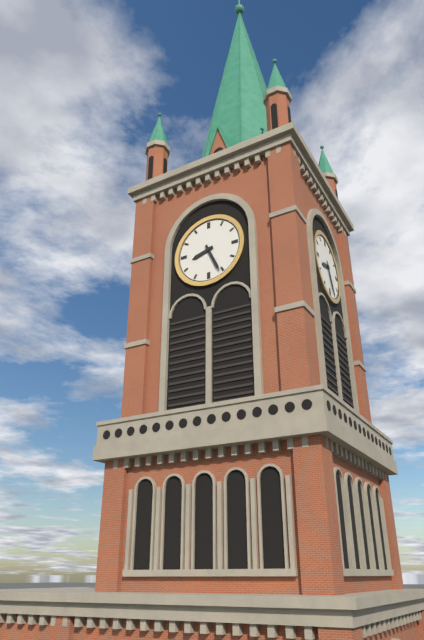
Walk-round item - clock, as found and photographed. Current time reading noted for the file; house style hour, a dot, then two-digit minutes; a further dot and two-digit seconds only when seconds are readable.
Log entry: 8.26
